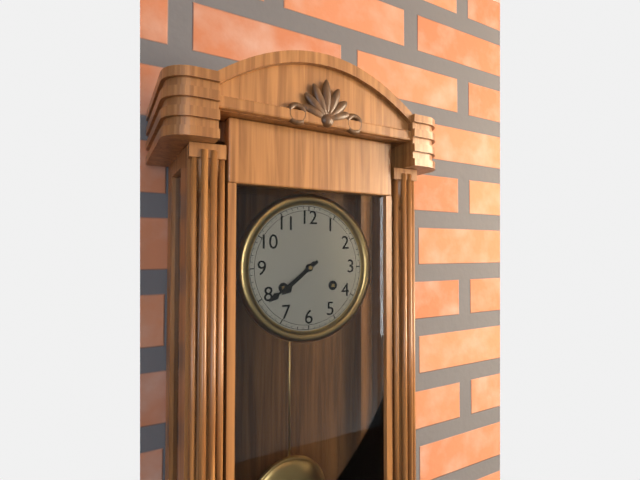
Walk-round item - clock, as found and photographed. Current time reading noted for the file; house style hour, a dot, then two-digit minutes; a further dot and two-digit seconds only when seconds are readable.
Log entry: 7.39
